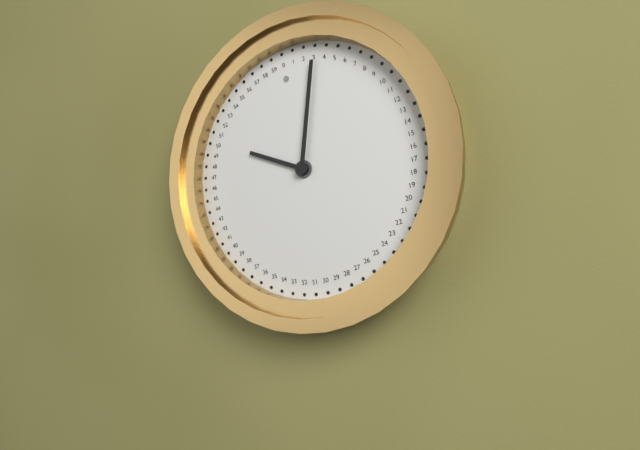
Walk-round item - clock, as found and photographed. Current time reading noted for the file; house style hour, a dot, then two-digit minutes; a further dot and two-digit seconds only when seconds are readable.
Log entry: 10.03
